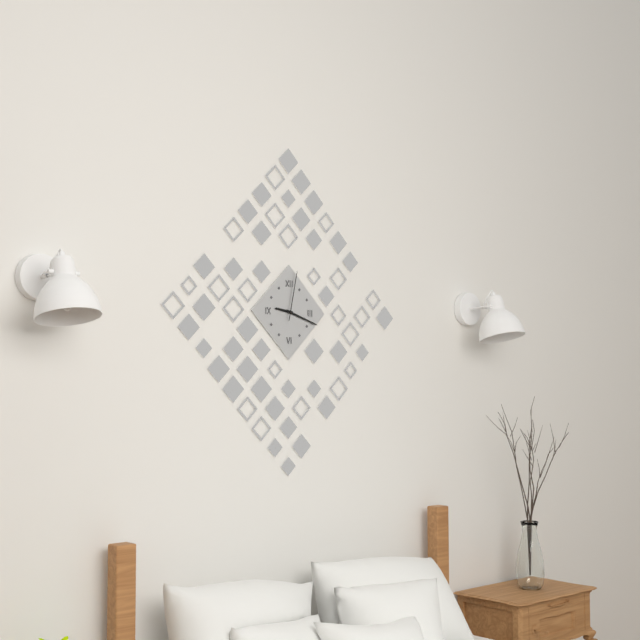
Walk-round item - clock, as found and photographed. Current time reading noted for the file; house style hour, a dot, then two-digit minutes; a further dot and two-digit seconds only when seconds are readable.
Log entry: 9.18.02
